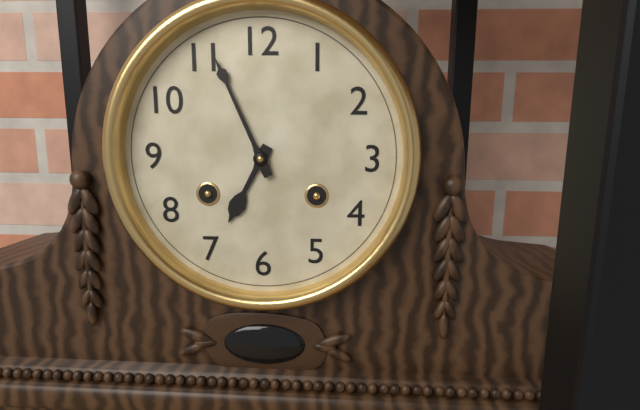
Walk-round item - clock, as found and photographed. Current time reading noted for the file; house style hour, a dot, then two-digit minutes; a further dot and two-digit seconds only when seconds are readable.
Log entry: 6.56
